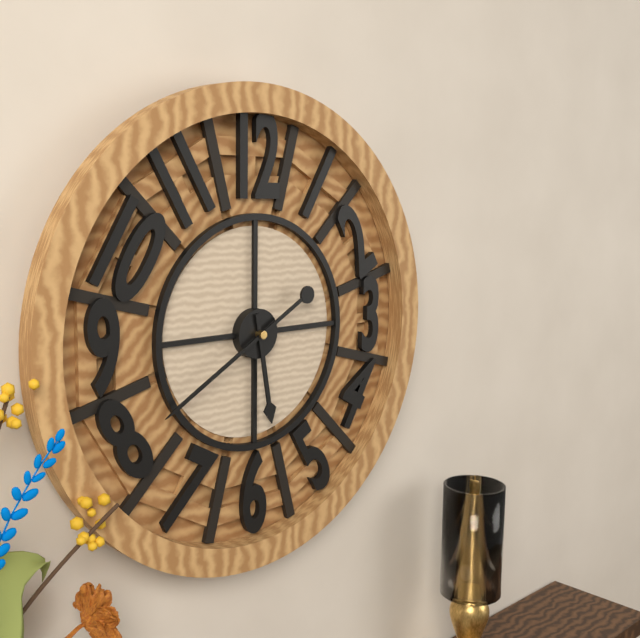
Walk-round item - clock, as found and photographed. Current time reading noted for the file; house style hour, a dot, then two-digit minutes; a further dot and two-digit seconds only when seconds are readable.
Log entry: 5.40
